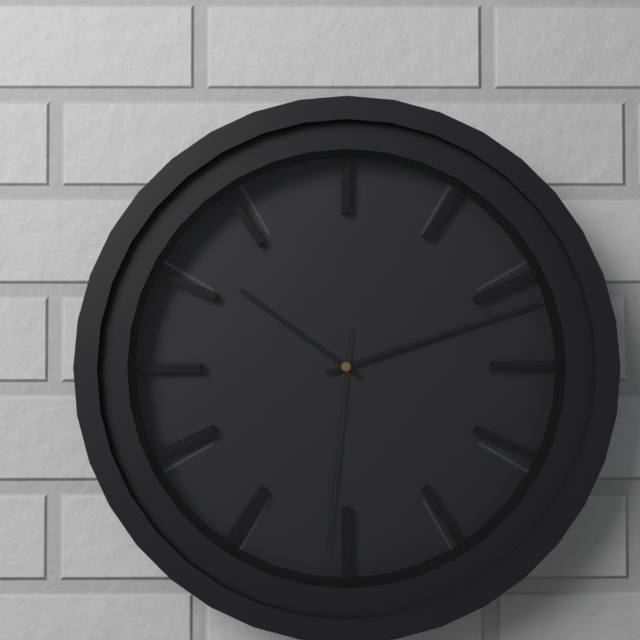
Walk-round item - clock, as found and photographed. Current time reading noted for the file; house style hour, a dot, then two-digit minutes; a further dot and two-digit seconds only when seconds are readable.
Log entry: 10.12.31
